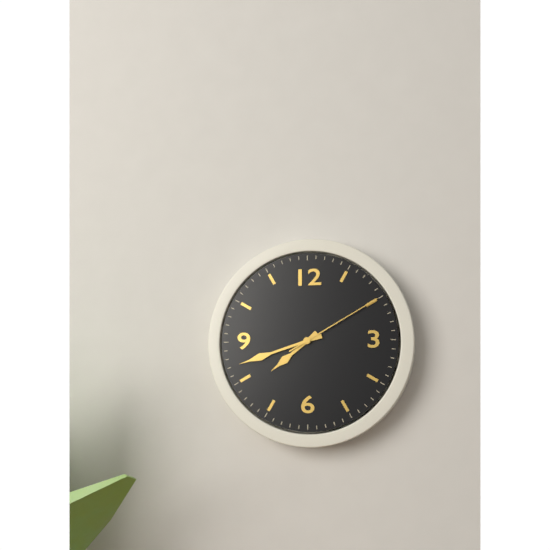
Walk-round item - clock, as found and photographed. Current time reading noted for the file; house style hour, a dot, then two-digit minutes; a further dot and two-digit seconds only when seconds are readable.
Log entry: 7.42.10
